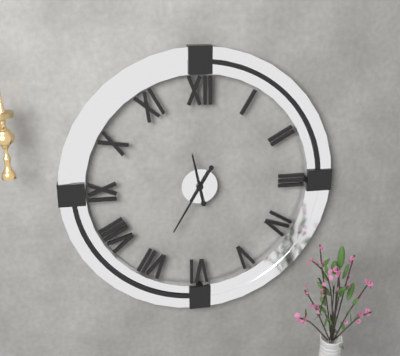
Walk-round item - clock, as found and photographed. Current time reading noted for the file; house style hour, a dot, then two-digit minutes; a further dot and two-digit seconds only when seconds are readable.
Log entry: 11.35
